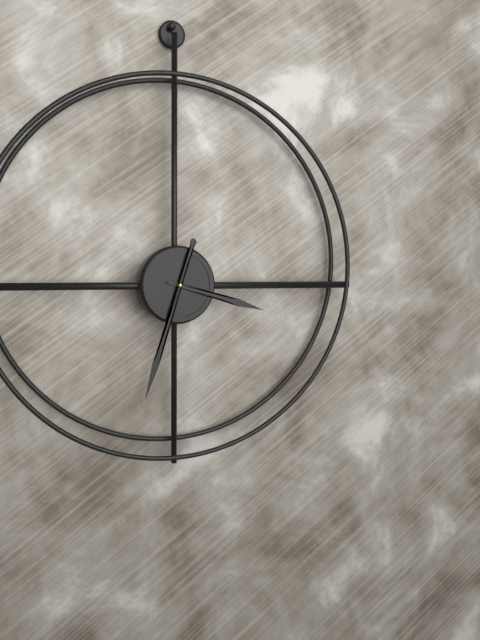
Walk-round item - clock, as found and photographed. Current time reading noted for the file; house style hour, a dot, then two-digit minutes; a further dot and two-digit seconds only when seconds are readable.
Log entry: 3.33
